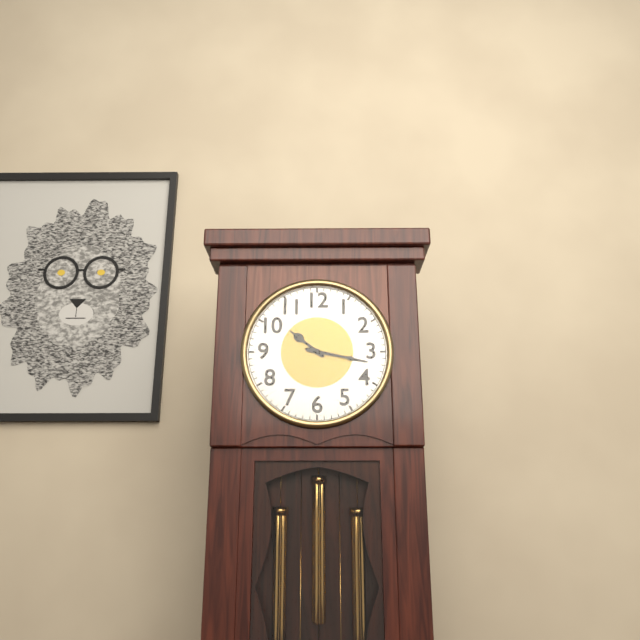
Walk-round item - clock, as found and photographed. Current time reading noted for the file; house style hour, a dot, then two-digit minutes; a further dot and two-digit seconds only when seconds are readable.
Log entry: 10.17
